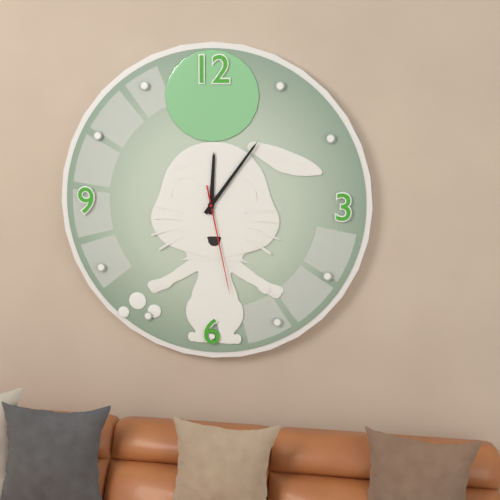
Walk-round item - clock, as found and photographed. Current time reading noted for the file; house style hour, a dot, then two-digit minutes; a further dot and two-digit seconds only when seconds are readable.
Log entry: 12.06.28
